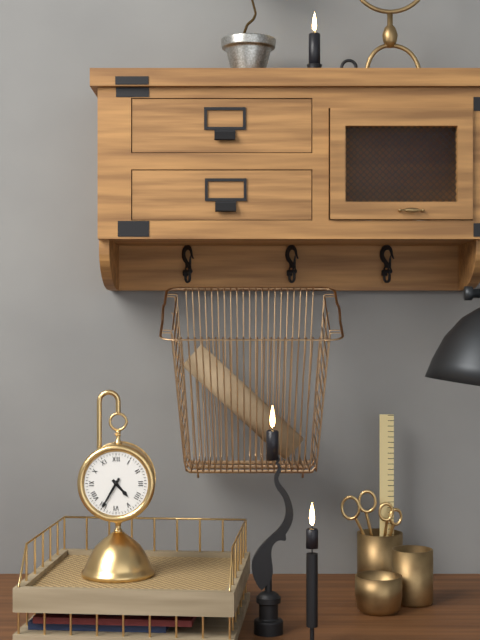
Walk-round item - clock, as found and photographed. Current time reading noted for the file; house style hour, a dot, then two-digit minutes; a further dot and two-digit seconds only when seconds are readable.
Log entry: 4.35
